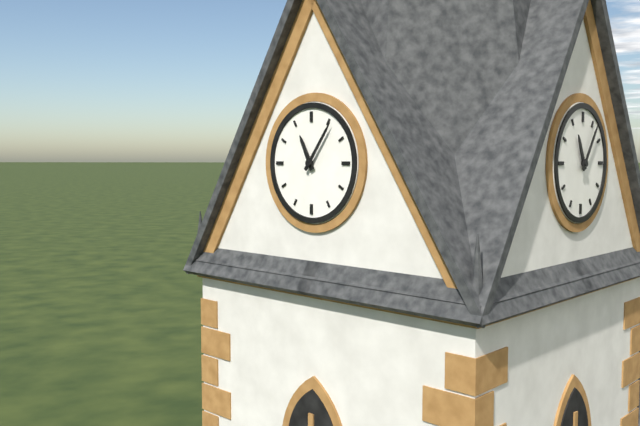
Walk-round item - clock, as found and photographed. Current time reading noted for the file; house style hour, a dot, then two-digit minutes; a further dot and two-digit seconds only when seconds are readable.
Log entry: 11.06
